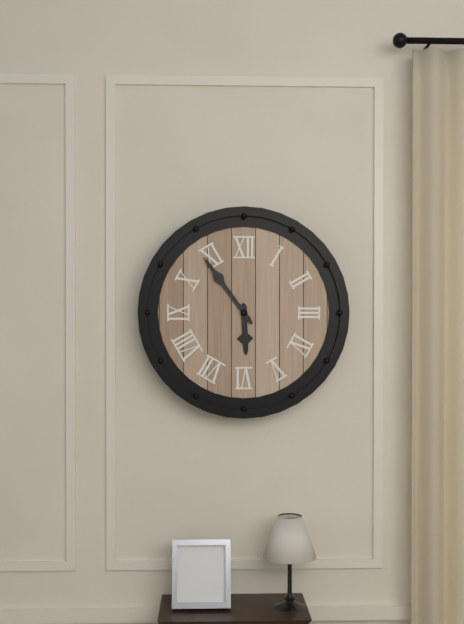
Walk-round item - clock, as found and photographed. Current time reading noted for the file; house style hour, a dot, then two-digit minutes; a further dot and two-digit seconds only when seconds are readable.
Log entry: 5.54
